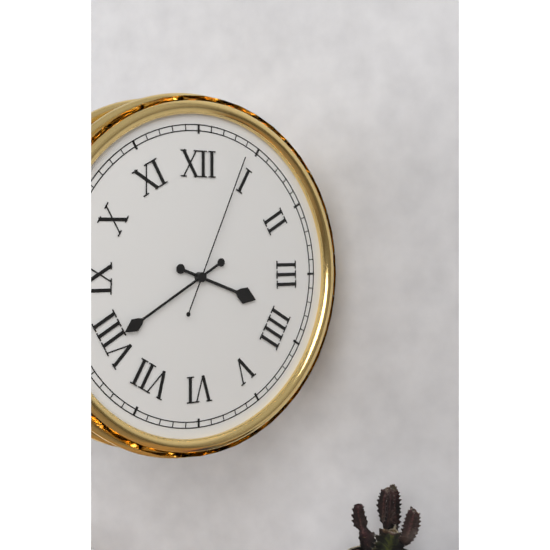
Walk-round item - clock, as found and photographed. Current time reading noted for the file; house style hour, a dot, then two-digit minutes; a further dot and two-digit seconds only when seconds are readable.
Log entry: 3.40.04
